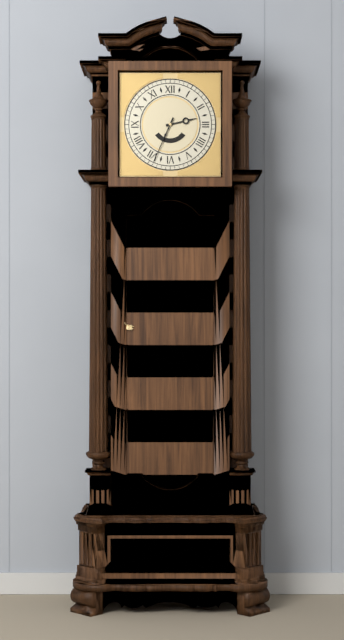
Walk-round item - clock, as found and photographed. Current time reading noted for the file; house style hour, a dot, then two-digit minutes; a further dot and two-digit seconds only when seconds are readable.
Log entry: 2.34
